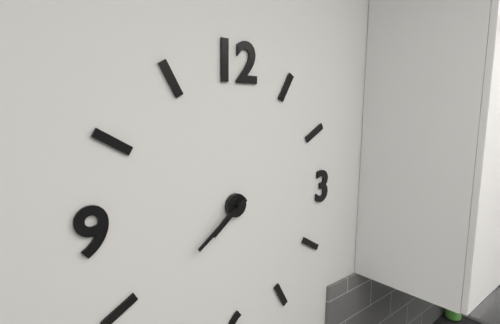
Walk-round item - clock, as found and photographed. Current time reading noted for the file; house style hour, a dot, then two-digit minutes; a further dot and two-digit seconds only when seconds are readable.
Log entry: 7.39
